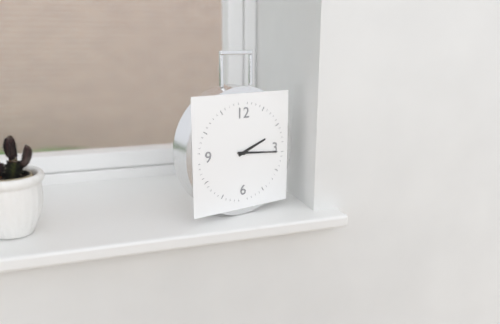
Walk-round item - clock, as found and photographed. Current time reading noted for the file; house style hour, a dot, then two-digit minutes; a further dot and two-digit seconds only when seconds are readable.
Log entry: 2.16
